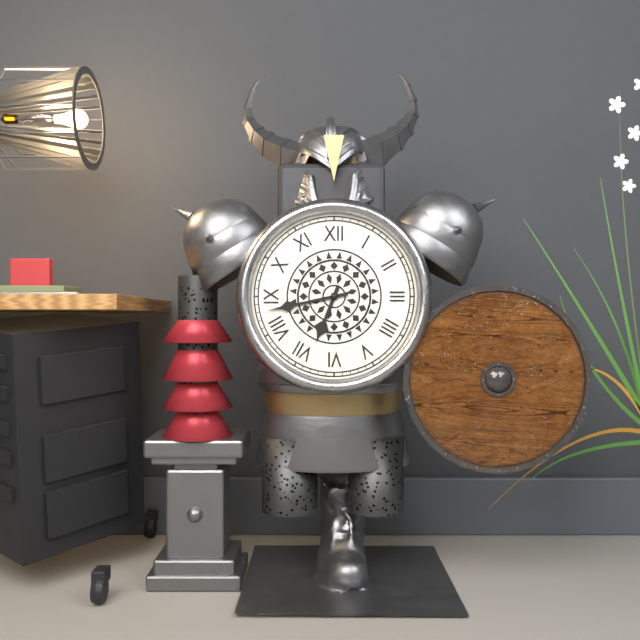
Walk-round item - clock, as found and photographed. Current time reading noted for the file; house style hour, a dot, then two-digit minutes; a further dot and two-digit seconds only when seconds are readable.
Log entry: 6.43
